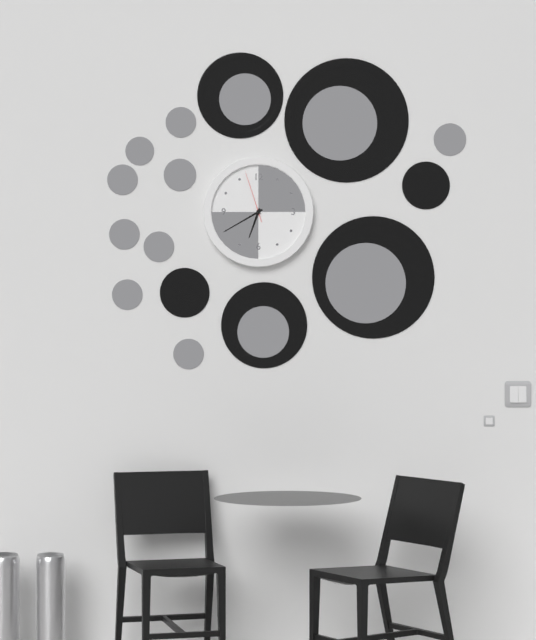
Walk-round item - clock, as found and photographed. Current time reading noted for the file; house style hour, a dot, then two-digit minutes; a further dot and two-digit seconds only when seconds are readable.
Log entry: 6.40.57
